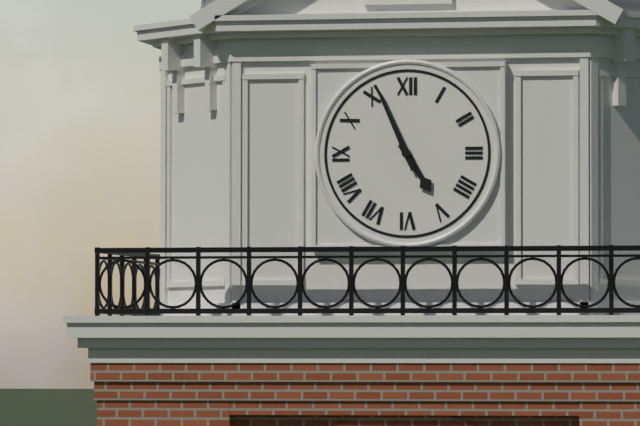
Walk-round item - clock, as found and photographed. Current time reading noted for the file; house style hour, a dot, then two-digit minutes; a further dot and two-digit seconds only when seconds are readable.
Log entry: 4.56
